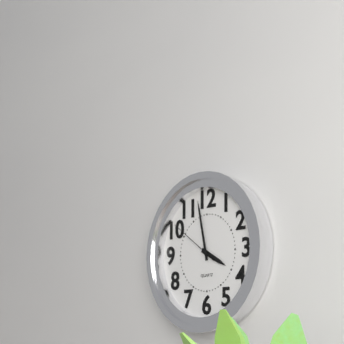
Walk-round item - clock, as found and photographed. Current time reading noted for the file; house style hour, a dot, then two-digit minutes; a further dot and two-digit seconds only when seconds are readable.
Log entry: 3.58.51
